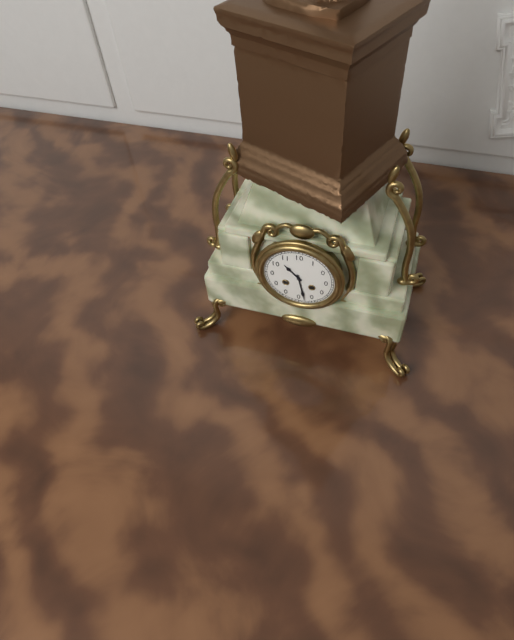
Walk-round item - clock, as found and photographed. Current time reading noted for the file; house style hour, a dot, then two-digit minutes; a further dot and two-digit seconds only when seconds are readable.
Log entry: 10.28
